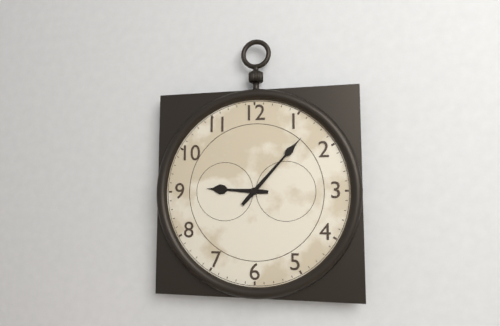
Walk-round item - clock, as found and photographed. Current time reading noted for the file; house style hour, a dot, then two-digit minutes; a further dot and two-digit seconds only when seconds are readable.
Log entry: 9.07
